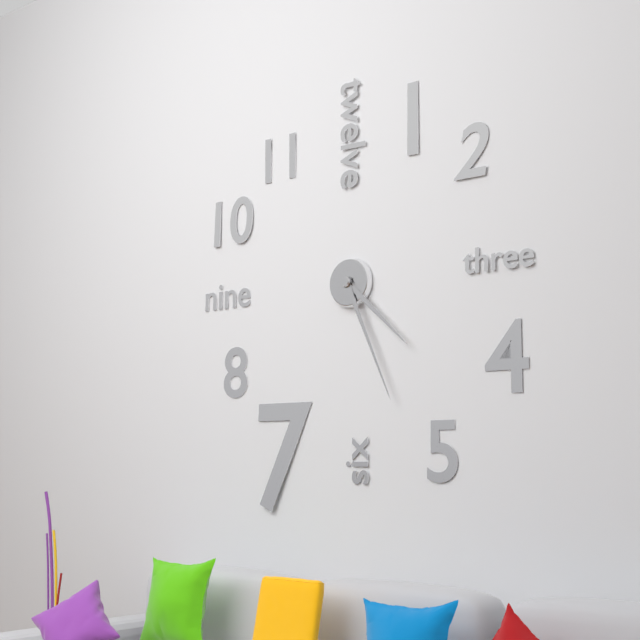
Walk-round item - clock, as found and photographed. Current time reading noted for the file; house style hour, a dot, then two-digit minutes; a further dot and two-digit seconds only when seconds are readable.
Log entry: 4.26
